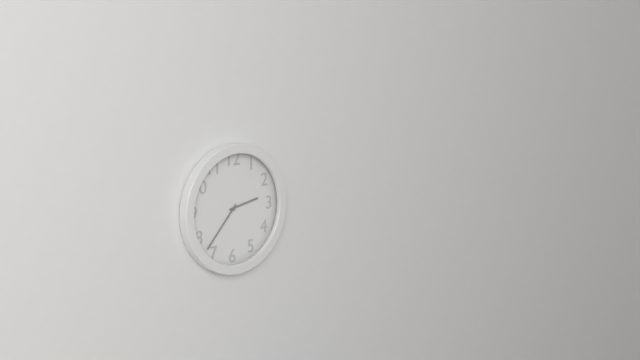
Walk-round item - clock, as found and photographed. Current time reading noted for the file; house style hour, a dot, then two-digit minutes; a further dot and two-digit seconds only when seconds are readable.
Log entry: 2.37
